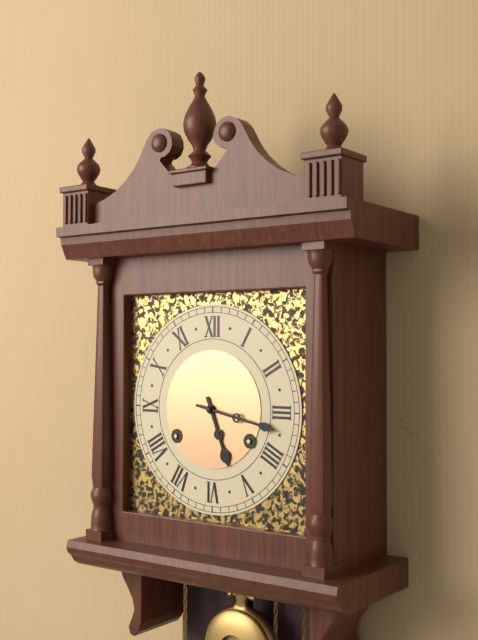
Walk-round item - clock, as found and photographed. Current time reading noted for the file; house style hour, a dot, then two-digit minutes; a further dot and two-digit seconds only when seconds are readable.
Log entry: 5.17
